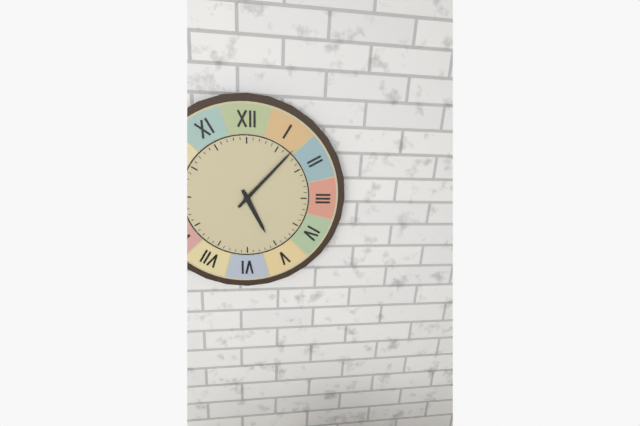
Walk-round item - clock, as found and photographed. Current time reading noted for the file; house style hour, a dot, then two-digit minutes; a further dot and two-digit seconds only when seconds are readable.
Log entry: 5.07
